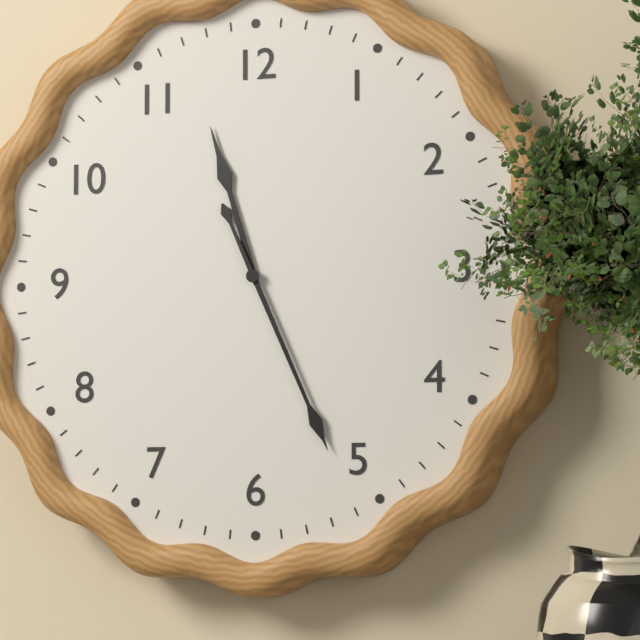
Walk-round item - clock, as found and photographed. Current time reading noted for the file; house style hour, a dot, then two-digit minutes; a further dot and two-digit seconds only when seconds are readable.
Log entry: 11.26
